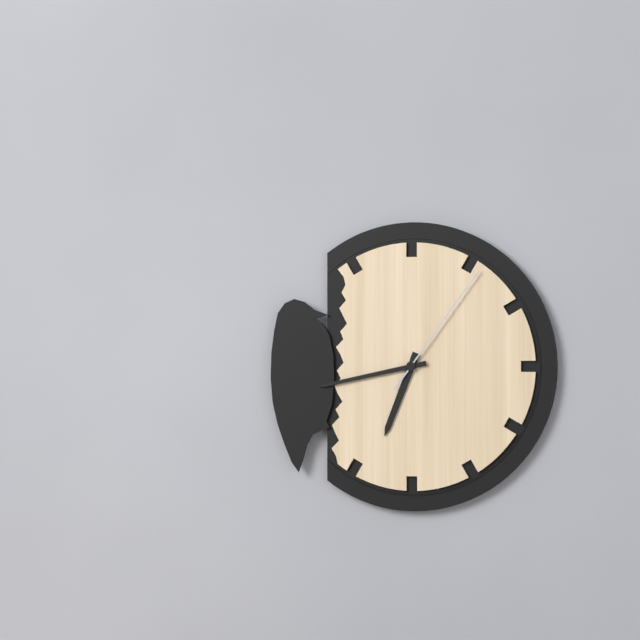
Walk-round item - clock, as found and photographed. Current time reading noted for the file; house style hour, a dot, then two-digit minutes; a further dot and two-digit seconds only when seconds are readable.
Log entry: 6.43.06
